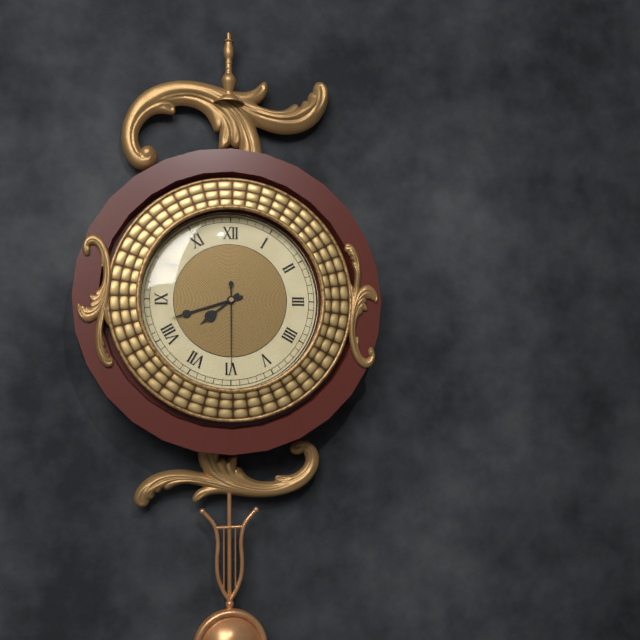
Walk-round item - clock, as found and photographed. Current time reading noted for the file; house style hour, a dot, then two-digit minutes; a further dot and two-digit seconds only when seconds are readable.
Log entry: 7.42.30
